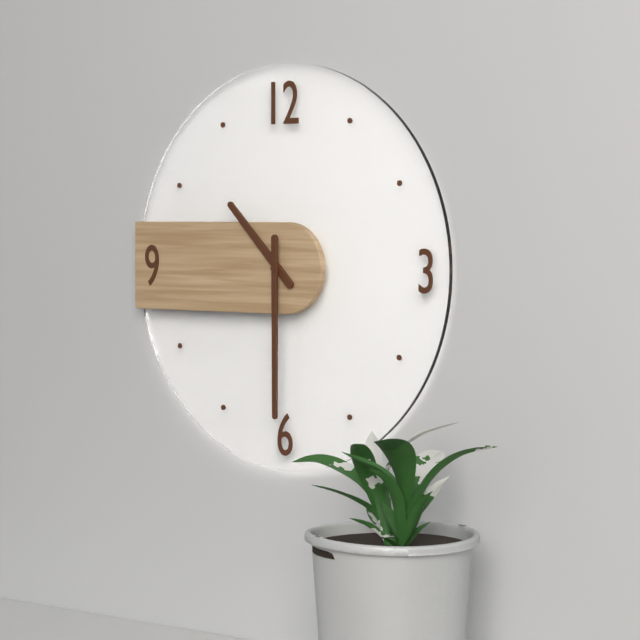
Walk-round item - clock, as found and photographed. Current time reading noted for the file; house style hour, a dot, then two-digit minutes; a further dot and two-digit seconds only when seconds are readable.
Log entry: 10.30
